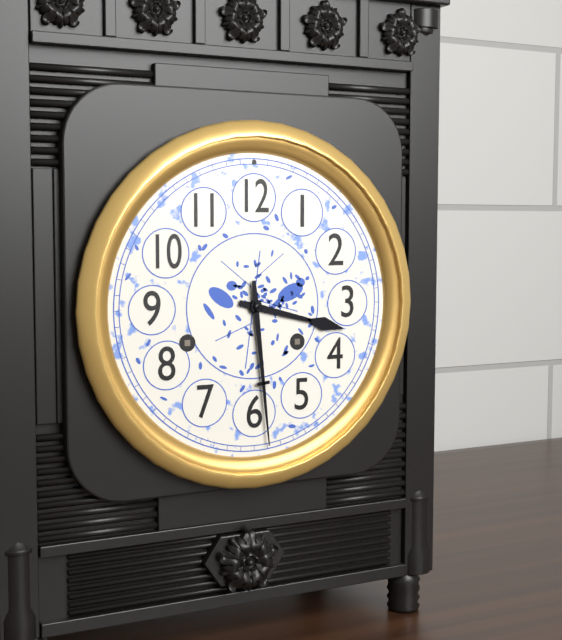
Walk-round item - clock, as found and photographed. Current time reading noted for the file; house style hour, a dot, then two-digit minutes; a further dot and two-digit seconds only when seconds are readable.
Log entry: 3.29
